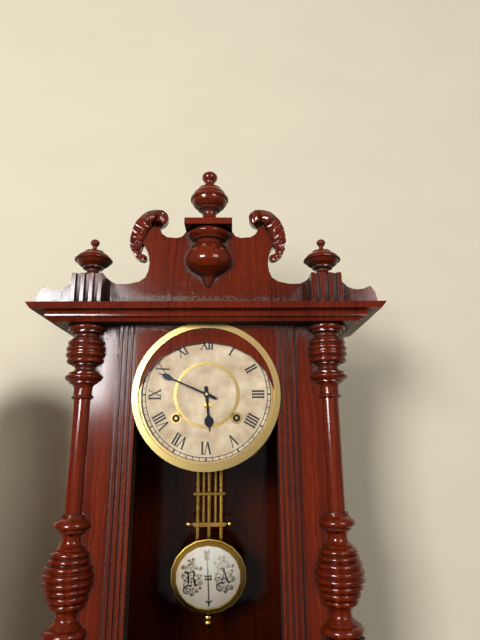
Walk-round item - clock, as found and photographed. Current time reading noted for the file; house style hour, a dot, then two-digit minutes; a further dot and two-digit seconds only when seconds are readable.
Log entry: 5.49
